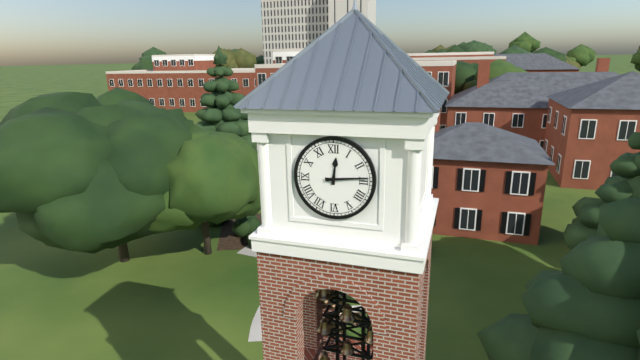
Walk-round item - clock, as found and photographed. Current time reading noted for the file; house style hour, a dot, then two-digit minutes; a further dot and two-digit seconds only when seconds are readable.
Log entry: 12.14
